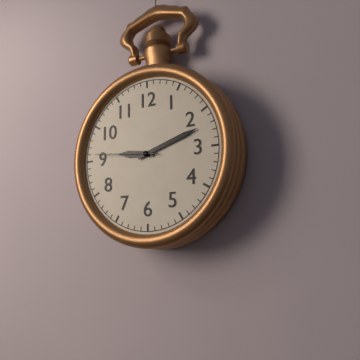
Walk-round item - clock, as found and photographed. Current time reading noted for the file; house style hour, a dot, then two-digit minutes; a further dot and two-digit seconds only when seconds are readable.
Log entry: 9.12.46
